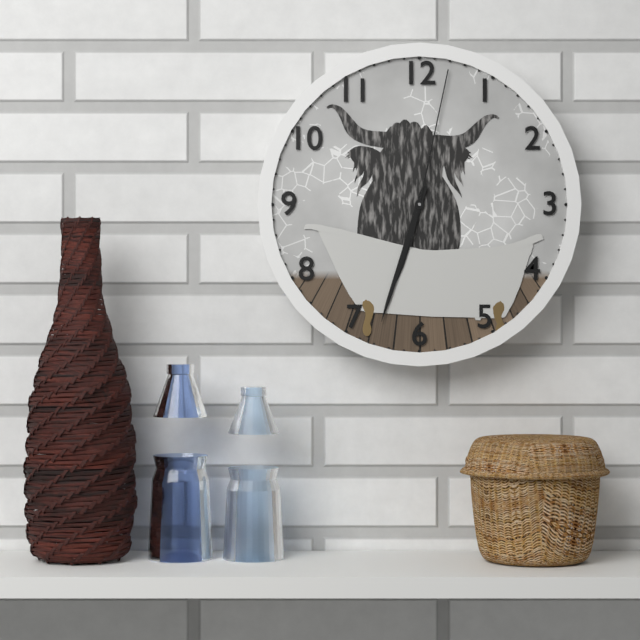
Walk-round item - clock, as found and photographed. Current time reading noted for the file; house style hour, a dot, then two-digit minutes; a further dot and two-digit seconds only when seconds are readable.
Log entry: 6.33.02
